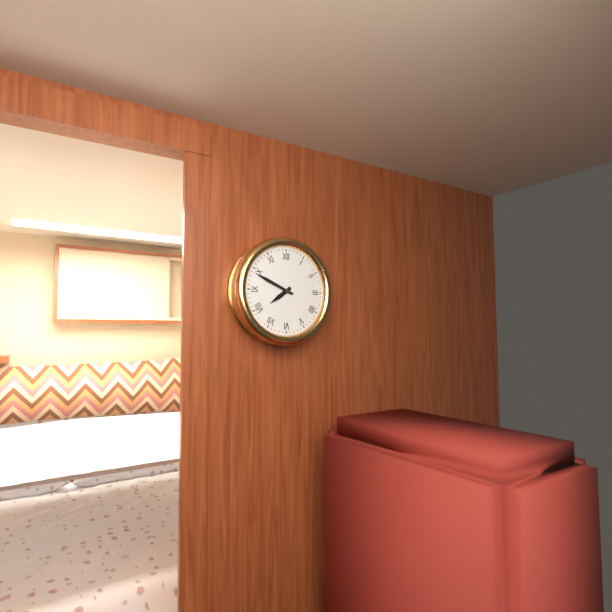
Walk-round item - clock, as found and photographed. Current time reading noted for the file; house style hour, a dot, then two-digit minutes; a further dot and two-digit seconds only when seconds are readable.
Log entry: 7.49
